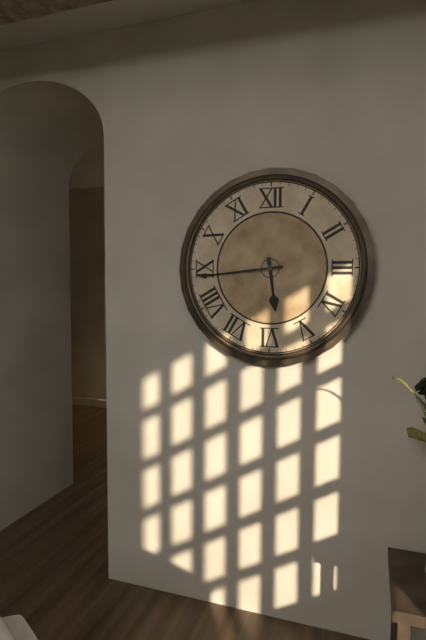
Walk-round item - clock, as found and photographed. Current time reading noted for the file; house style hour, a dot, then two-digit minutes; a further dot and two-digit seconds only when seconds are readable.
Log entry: 5.44
